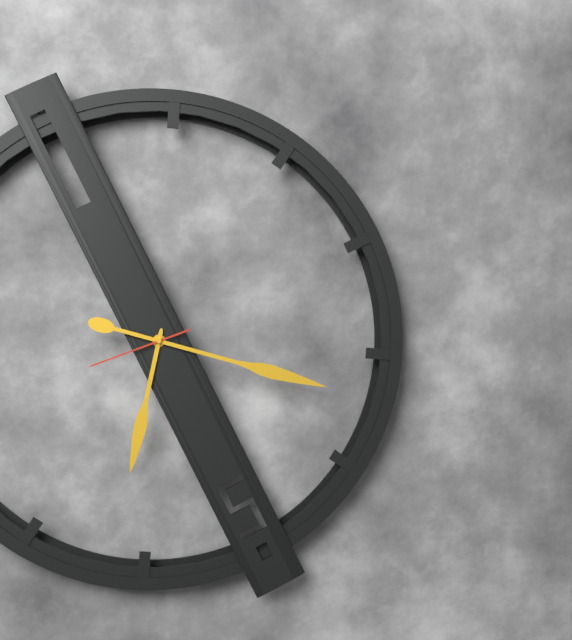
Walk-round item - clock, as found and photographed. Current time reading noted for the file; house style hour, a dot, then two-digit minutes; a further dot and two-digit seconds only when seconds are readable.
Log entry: 6.17.41
